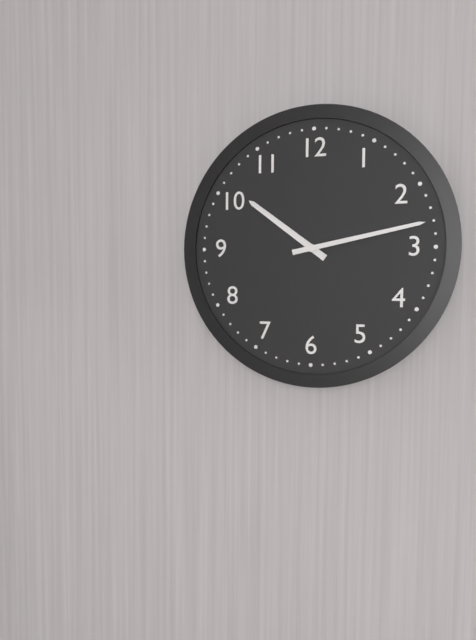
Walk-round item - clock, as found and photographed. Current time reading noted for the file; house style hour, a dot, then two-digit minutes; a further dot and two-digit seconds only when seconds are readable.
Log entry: 10.13
